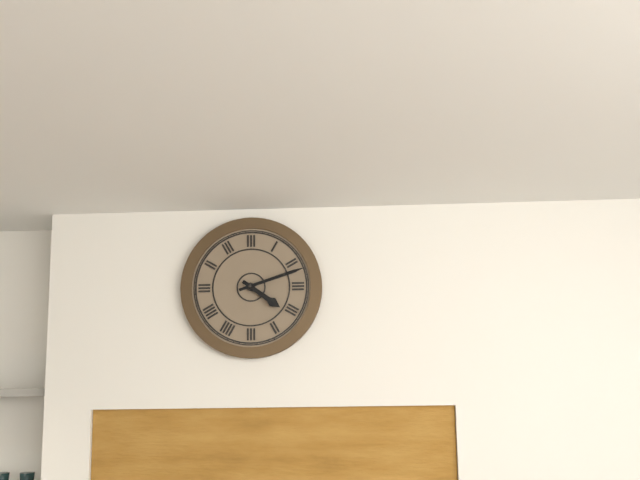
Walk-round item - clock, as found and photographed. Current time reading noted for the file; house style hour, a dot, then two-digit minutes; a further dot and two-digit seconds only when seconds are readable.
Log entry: 4.12
